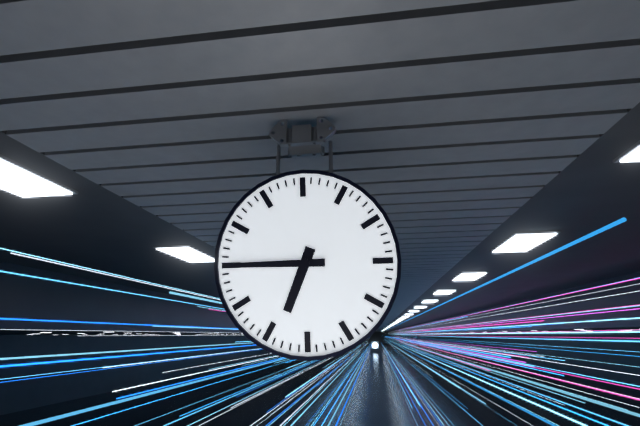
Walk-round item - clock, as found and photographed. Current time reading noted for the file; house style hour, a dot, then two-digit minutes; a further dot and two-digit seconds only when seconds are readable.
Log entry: 6.45
